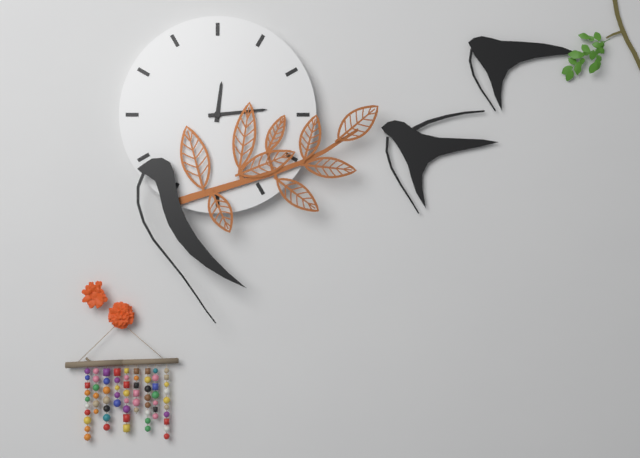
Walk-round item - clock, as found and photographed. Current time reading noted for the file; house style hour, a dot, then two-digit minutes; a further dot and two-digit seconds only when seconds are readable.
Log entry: 12.14
